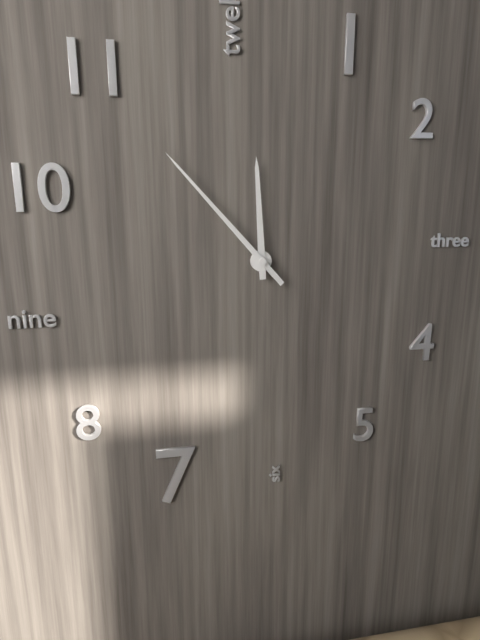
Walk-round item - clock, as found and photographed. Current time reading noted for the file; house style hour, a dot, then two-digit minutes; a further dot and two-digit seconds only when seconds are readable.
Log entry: 11.53
